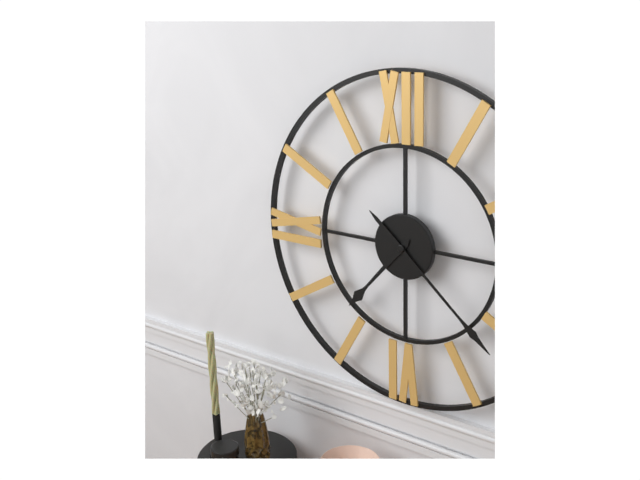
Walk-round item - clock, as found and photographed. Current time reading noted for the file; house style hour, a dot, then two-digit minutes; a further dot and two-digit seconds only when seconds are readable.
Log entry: 7.22
